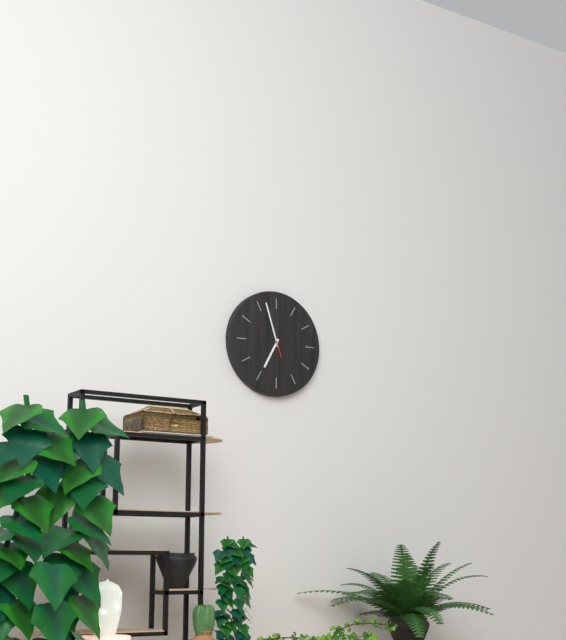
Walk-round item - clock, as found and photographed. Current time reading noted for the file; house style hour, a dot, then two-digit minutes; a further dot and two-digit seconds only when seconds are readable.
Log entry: 6.57
